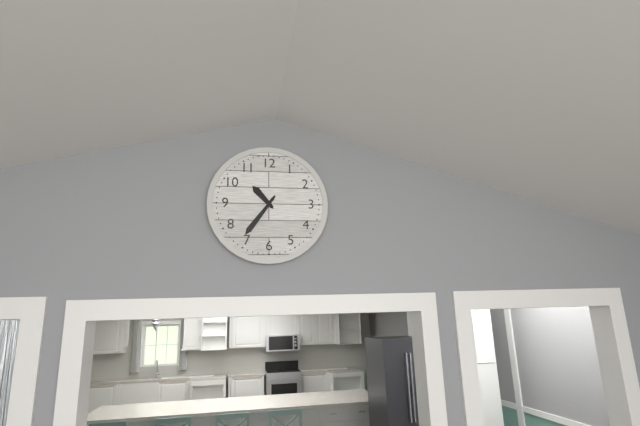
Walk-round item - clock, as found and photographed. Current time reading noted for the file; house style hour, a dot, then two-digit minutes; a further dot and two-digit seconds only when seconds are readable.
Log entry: 10.36
